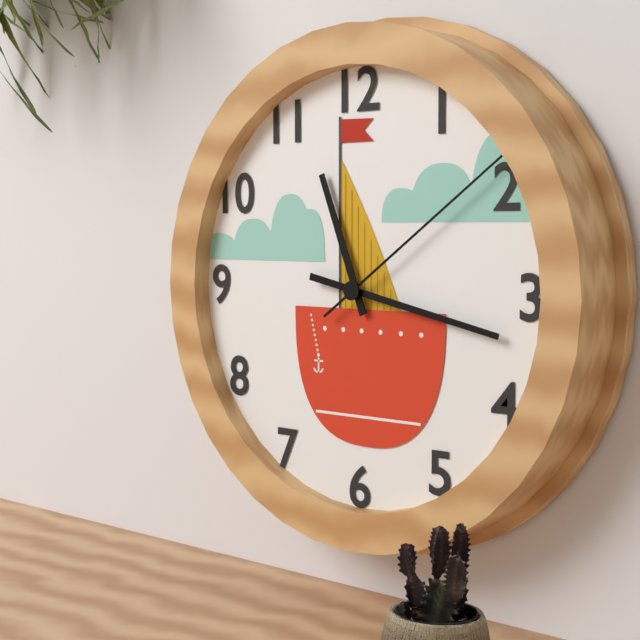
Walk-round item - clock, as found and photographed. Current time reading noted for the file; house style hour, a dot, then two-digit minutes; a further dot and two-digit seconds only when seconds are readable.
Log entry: 11.17.09
